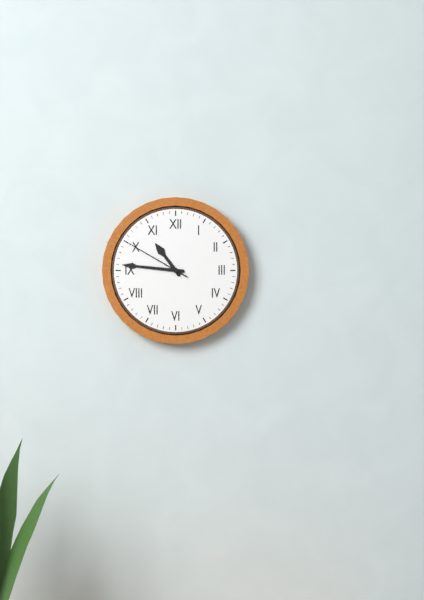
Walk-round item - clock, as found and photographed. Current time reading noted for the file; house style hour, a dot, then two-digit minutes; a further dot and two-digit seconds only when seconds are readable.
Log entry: 10.46.50
